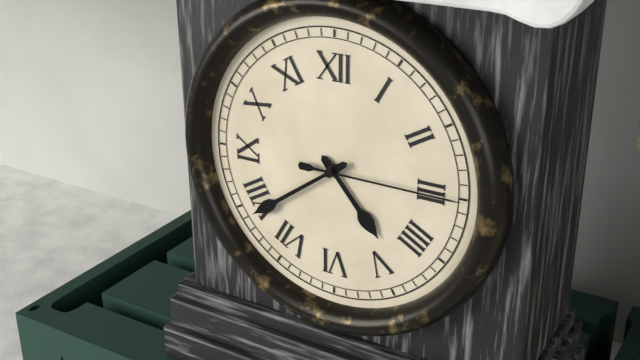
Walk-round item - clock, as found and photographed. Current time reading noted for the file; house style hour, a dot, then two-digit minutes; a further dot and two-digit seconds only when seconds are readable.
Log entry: 4.39.15
